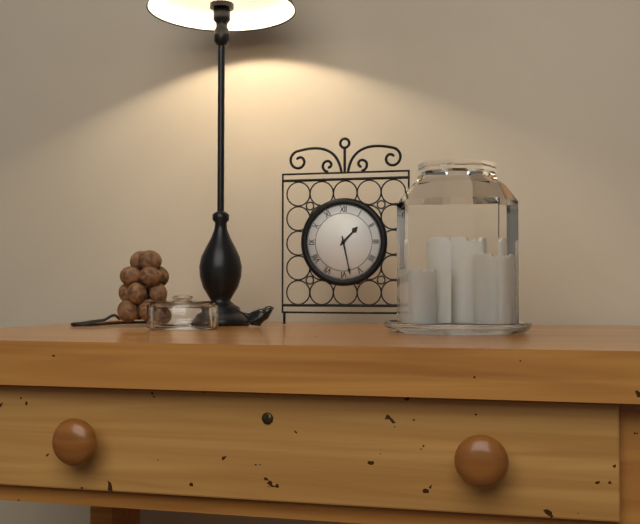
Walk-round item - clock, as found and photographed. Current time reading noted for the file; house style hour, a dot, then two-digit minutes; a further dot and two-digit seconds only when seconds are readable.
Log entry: 1.28
